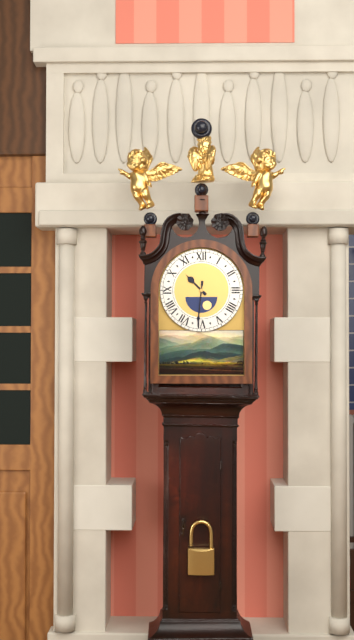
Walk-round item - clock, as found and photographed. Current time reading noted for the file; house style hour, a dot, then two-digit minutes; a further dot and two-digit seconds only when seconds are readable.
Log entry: 10.31
